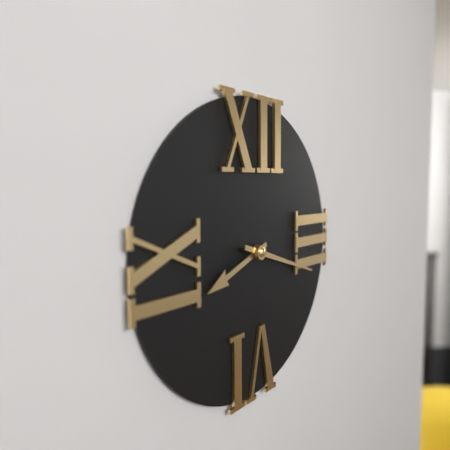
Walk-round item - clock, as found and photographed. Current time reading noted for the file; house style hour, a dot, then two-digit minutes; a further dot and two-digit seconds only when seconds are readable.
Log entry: 8.18
